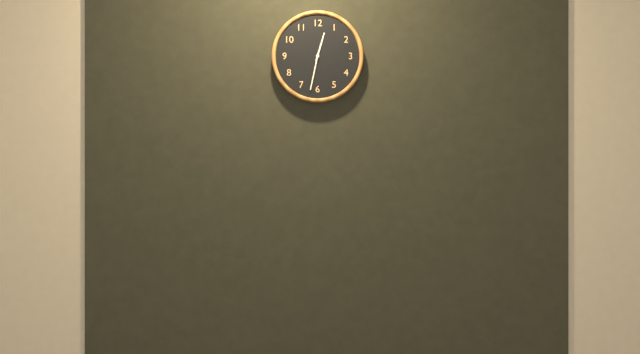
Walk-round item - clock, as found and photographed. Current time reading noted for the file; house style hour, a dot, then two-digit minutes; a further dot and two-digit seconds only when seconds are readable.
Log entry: 12.32
